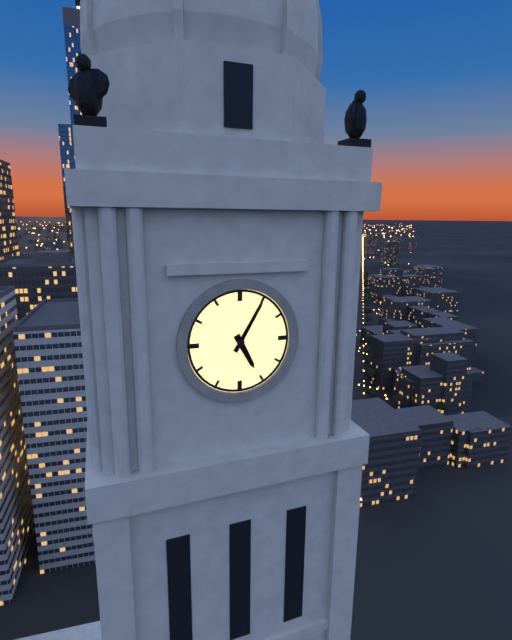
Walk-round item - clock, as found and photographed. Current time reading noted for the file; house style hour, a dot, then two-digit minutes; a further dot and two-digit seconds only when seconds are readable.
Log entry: 5.05
